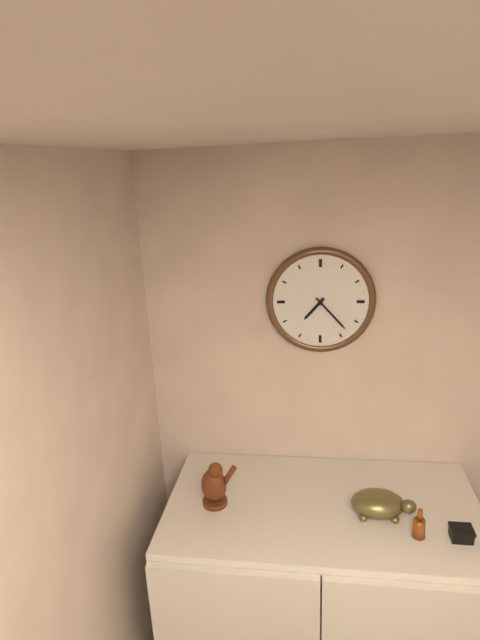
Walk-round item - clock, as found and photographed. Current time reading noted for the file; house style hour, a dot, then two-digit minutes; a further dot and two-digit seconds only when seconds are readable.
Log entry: 7.23
